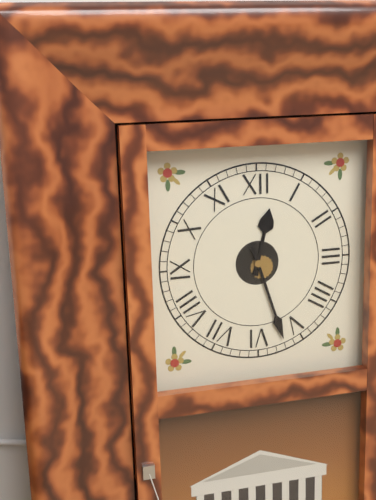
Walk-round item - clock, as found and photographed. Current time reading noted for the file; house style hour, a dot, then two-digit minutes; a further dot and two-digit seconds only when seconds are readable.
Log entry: 12.27
